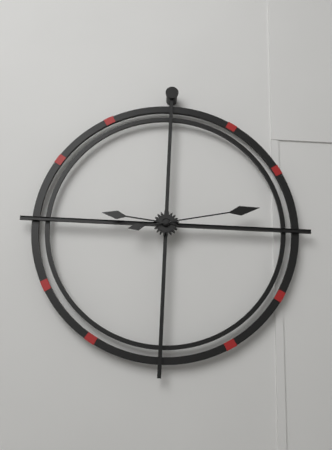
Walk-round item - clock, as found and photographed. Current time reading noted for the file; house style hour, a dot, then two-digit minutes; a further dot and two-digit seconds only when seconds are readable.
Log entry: 9.13
